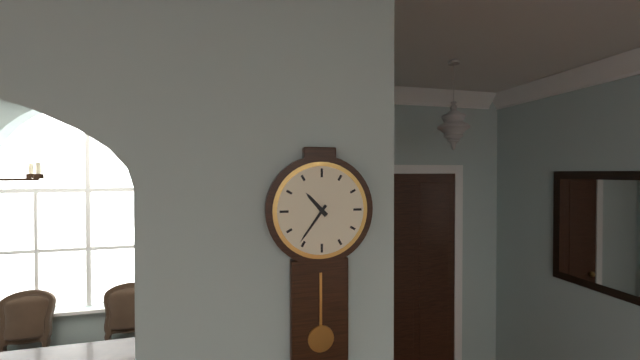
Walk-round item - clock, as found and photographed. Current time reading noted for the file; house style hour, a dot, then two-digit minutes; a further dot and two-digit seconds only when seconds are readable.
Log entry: 10.36
